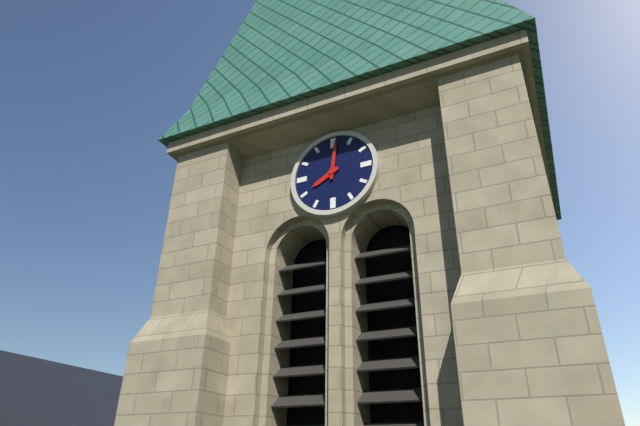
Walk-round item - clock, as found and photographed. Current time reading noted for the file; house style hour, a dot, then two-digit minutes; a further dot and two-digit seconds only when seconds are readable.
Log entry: 8.01
